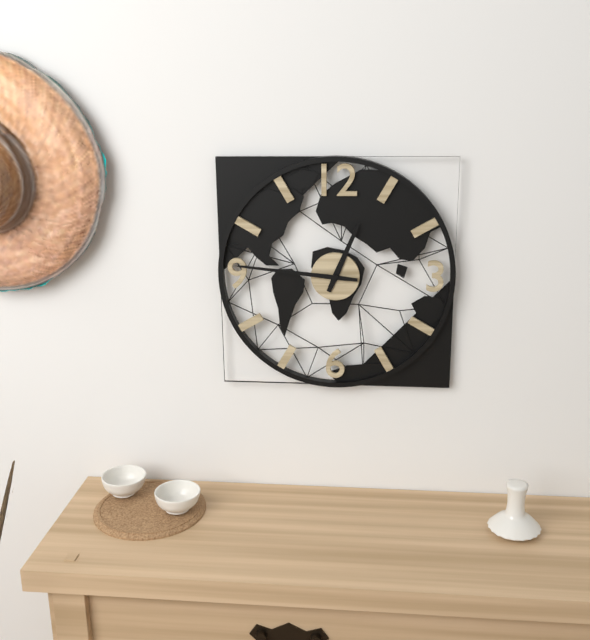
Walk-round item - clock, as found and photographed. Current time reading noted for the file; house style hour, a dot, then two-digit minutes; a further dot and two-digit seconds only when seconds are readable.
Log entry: 12.46
